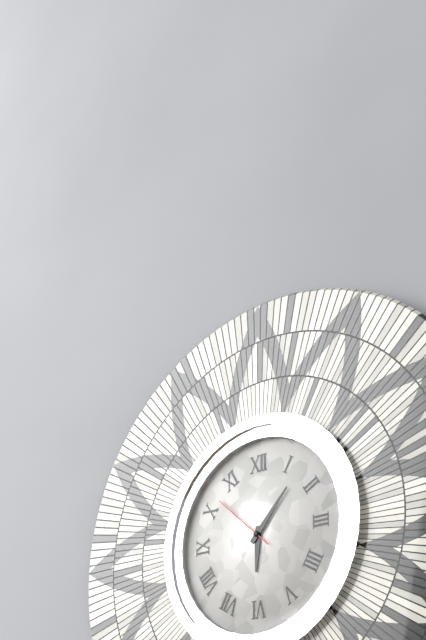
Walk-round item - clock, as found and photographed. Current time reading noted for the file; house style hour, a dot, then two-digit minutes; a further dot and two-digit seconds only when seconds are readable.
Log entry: 6.07.52
